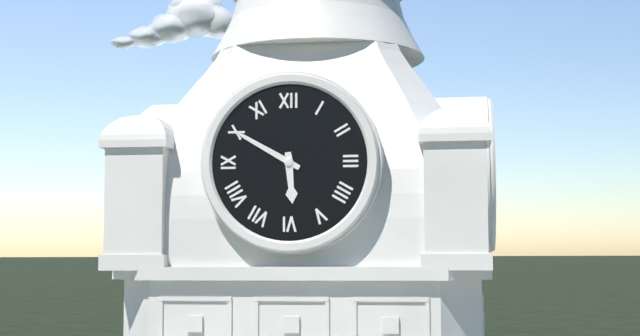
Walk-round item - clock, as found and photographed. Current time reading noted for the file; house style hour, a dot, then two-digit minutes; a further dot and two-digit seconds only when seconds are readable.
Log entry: 5.50
